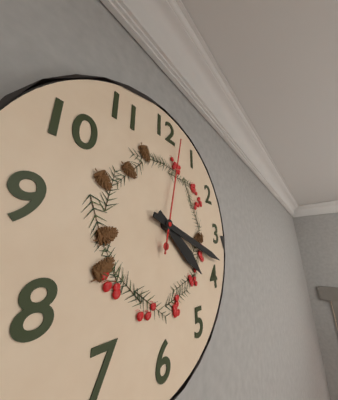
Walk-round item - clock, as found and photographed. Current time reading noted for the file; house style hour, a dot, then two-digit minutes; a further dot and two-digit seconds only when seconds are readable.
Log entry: 4.18.02
